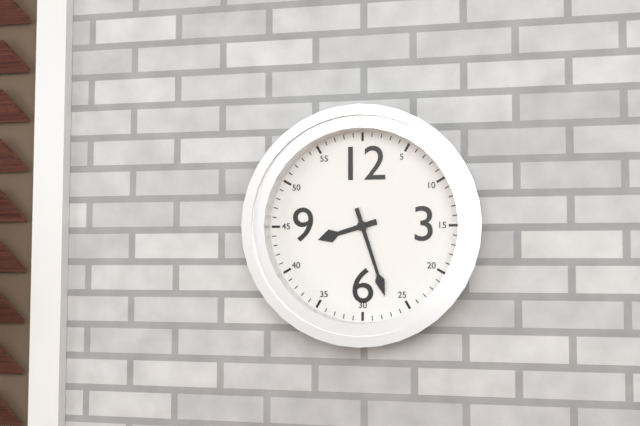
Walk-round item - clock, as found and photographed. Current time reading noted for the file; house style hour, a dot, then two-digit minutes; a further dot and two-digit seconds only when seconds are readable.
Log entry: 8.27
